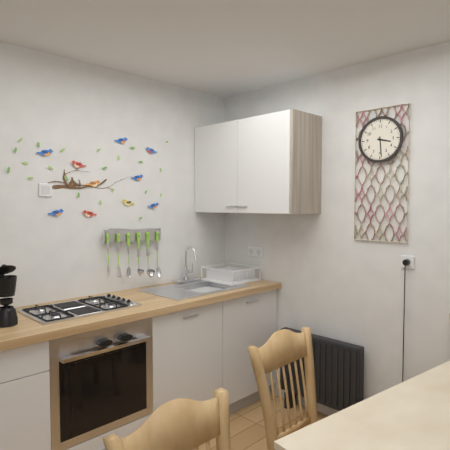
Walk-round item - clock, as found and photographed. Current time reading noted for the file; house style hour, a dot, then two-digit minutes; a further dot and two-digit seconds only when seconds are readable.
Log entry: 3.29
